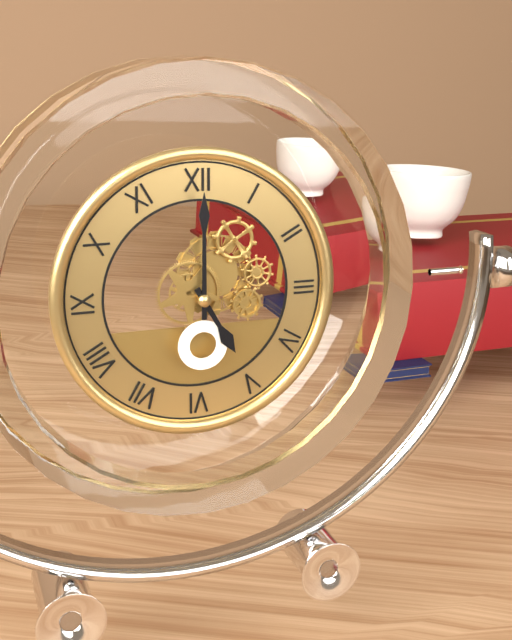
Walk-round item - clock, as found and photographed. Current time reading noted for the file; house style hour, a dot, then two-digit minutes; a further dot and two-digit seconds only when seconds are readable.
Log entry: 5.00
